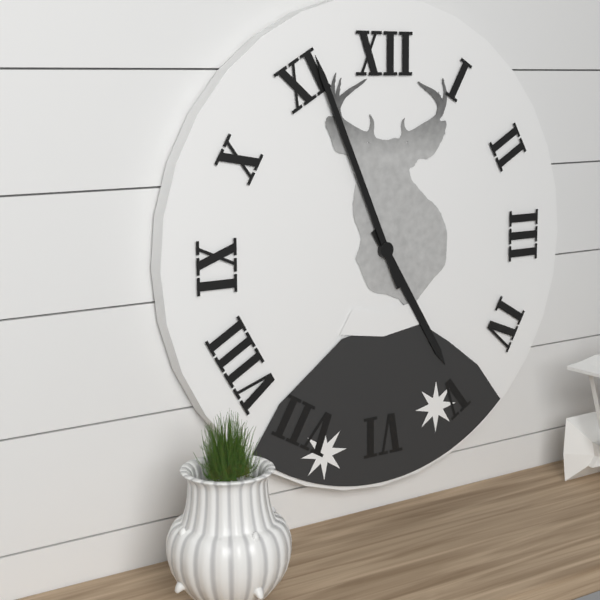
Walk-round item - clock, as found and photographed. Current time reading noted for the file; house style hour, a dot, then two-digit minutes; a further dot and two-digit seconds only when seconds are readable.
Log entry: 4.56
